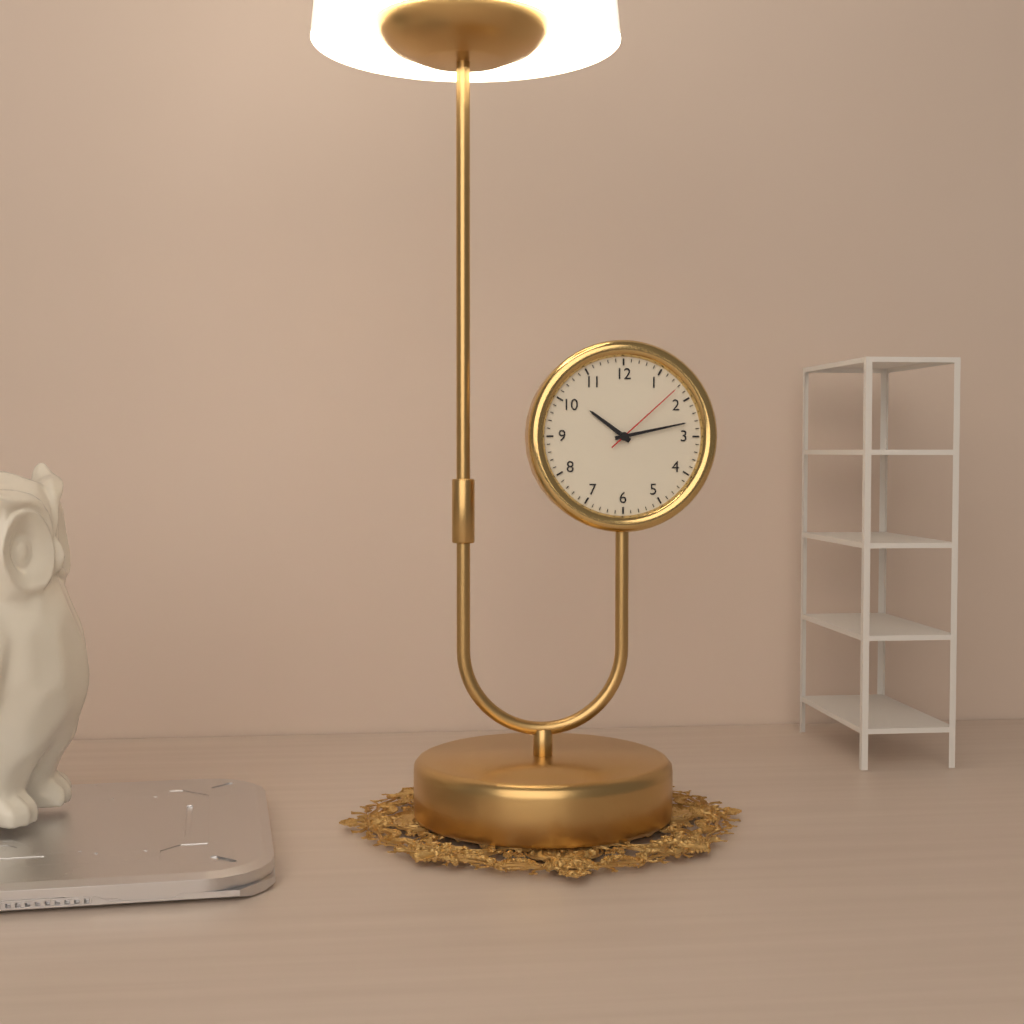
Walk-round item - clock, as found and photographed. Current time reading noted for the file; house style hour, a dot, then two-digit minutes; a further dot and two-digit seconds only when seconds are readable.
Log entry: 10.13.08
